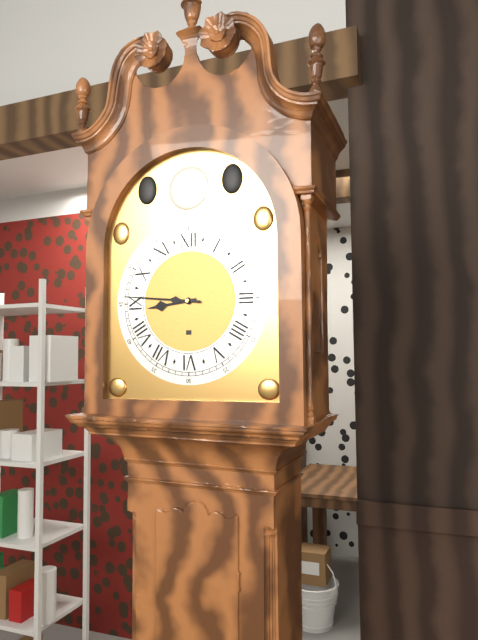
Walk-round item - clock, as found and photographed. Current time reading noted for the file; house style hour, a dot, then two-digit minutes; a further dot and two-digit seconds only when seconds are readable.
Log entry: 8.46
